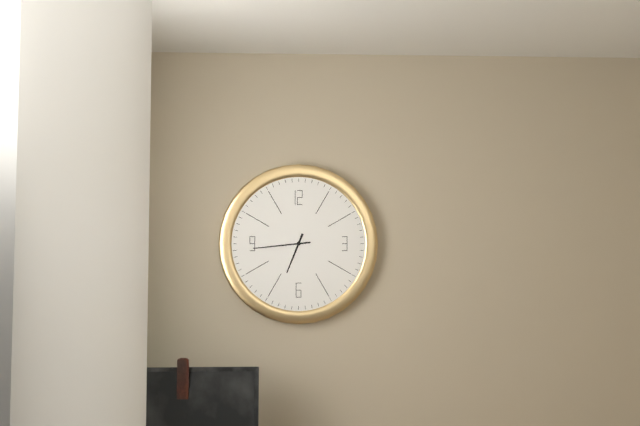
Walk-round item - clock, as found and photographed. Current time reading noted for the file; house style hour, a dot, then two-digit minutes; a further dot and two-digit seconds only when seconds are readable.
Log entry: 6.44
